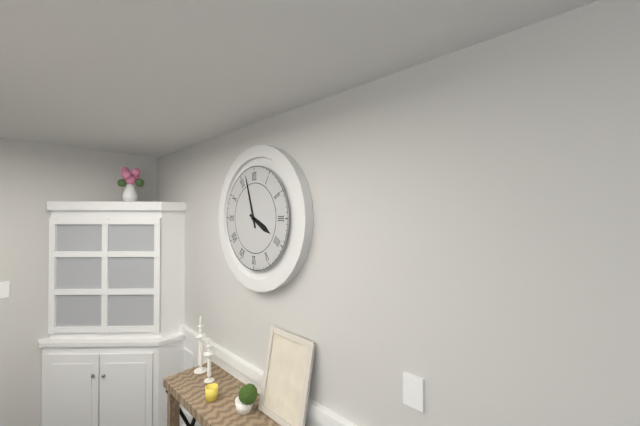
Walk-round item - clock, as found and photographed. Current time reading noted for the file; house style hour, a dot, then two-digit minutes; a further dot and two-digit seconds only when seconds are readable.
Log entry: 3.57
